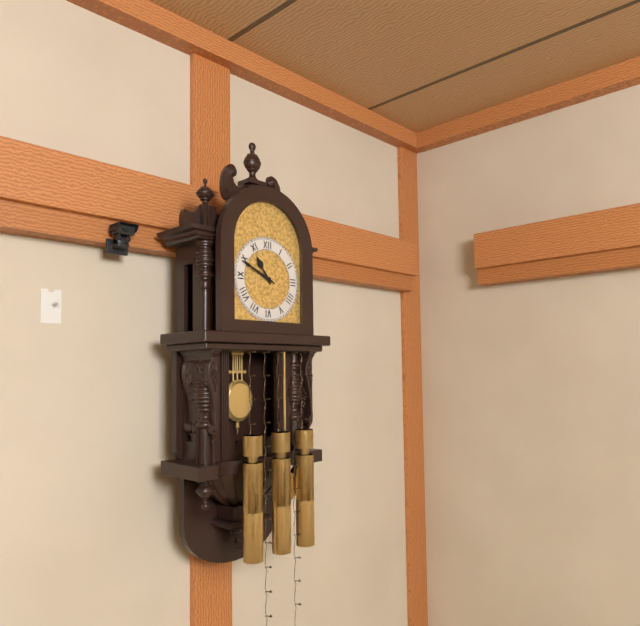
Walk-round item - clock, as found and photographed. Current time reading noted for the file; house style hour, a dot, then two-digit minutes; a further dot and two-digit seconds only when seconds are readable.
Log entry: 10.49
